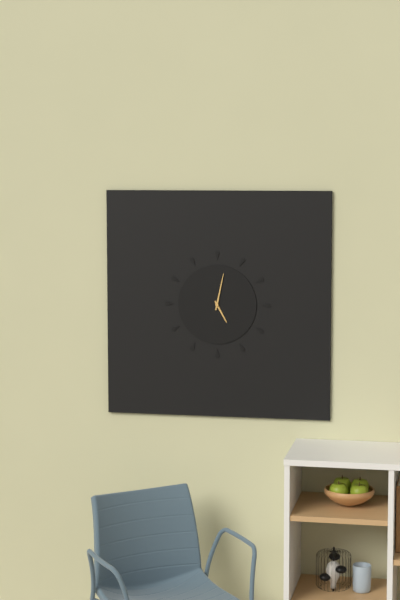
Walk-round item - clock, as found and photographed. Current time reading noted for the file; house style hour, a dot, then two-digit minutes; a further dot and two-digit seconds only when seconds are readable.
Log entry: 5.02
